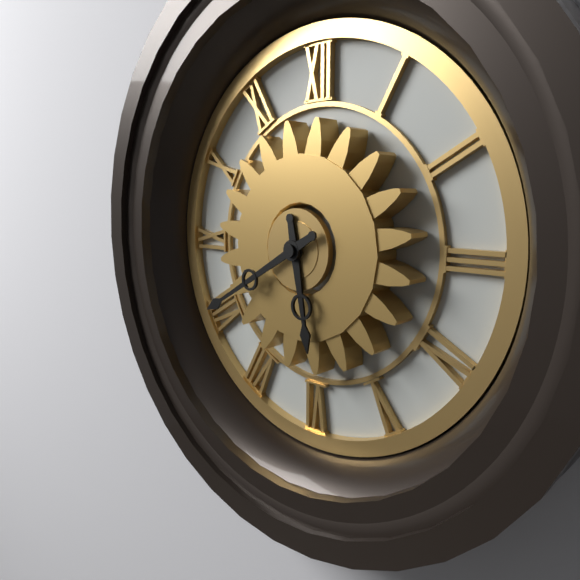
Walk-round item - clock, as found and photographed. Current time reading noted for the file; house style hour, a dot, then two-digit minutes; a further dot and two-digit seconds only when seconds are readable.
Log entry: 5.40
